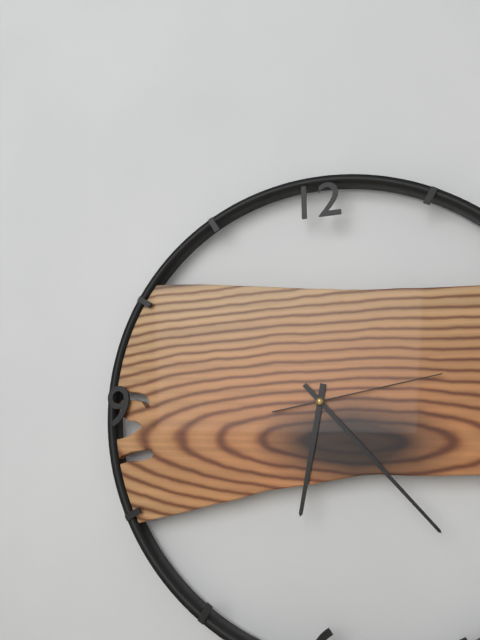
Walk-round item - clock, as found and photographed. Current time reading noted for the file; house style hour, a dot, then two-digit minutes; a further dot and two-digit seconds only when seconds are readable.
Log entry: 6.23.13
